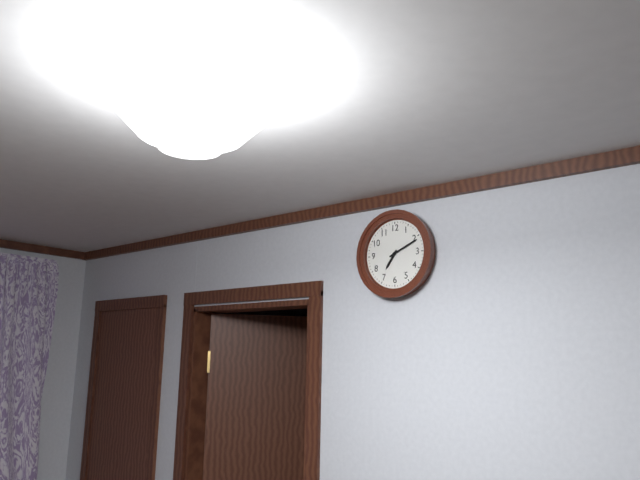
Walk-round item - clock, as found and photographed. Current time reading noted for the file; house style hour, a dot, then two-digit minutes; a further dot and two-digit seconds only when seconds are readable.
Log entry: 7.11
